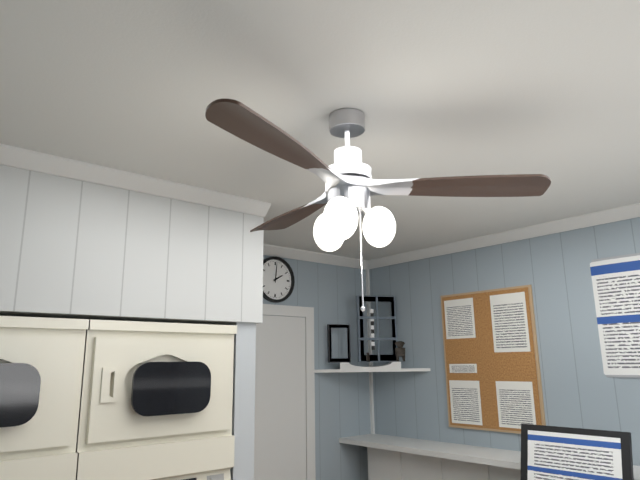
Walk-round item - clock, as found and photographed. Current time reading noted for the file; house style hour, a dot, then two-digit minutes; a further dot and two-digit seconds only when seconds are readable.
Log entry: 2.01
